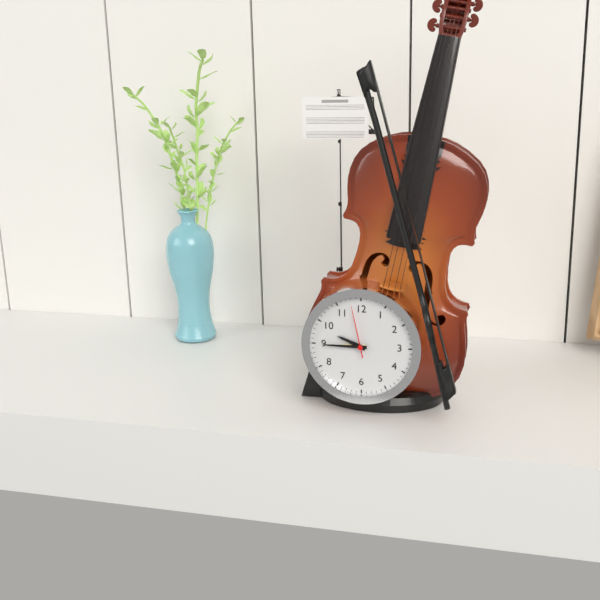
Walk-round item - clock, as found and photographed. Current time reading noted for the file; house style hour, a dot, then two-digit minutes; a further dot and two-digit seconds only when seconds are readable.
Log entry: 9.45.58
